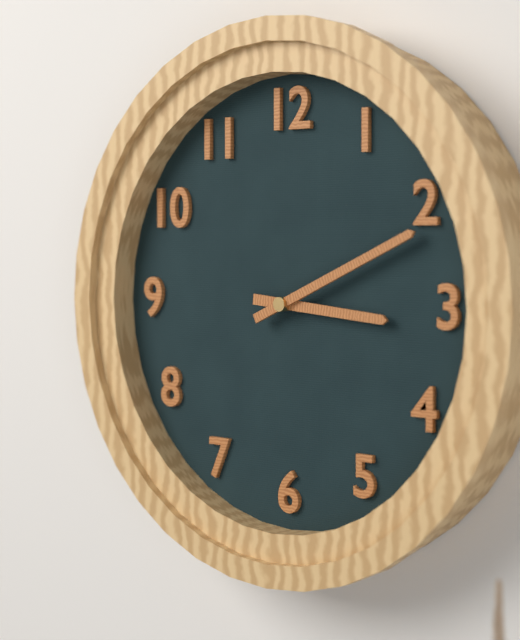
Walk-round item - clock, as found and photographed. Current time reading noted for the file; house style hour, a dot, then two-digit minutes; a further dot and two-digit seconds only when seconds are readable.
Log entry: 3.11
